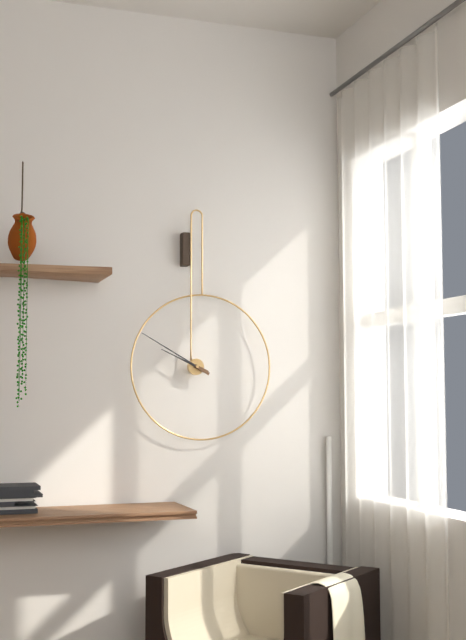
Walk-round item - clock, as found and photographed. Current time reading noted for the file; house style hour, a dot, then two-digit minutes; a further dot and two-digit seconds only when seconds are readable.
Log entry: 9.50
